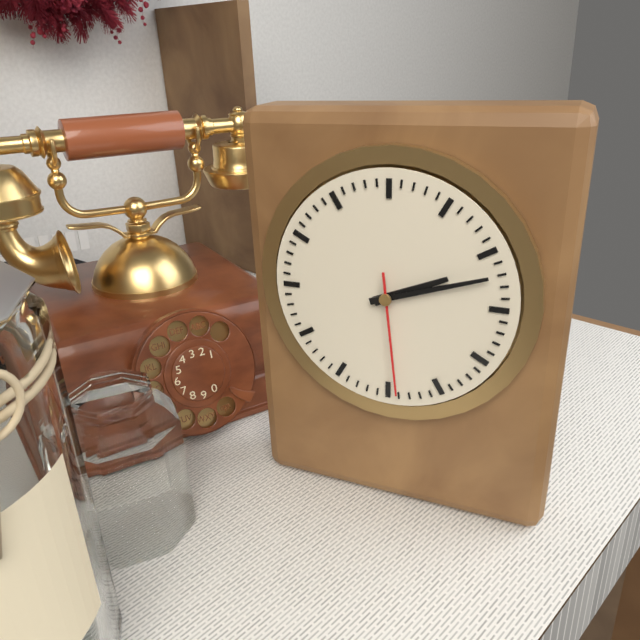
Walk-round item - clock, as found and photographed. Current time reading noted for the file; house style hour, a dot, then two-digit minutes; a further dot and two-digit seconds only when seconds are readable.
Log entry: 2.12.29
